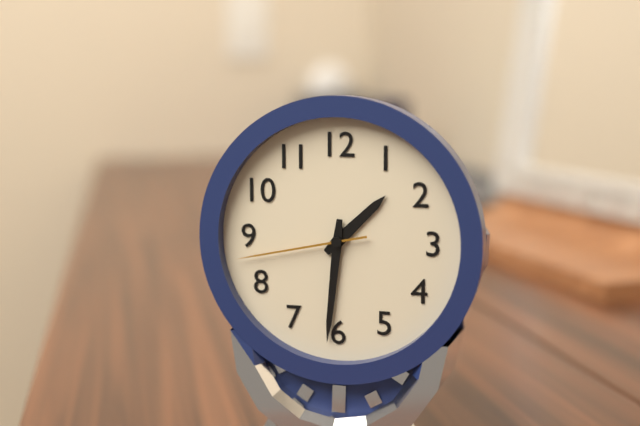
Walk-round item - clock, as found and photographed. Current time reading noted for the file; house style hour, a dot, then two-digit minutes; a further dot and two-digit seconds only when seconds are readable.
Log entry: 1.31.43
